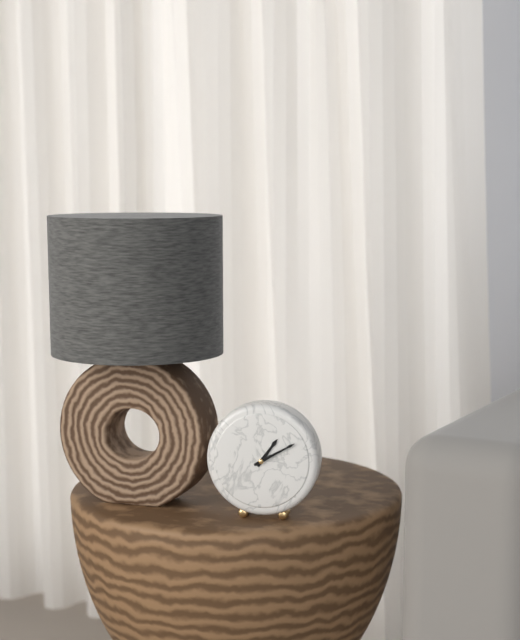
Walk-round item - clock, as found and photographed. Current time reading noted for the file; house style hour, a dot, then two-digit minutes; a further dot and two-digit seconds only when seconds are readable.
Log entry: 1.10
